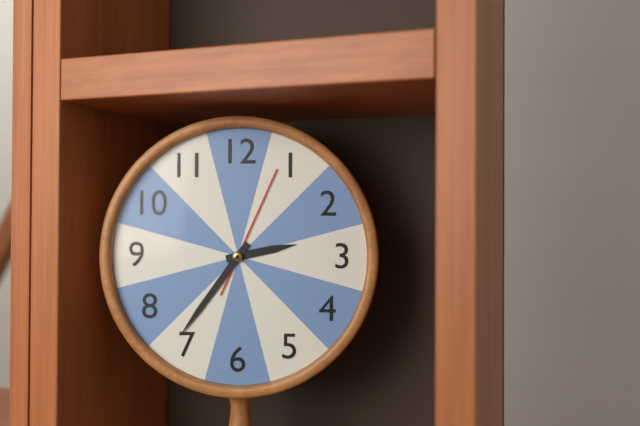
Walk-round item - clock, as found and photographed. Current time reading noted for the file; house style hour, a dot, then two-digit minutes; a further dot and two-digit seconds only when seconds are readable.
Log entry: 2.36.04
